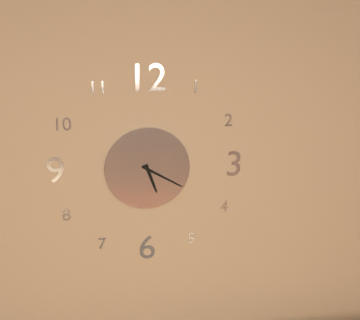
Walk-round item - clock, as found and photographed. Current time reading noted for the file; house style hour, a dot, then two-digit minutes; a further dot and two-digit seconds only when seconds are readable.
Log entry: 5.20
